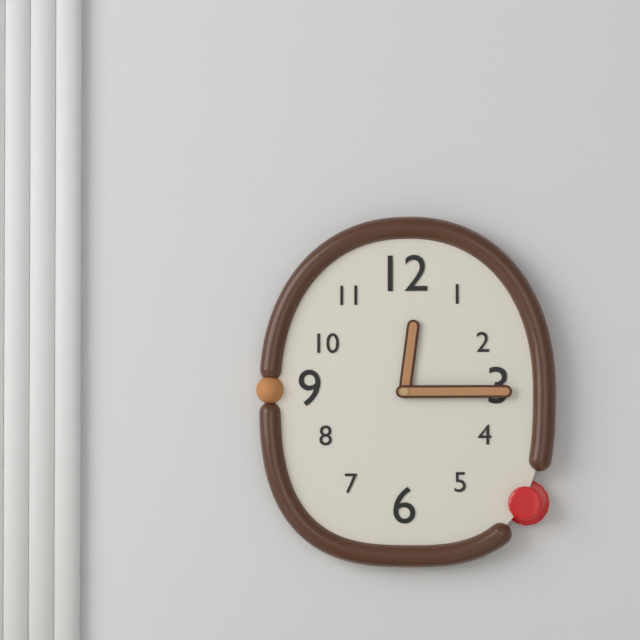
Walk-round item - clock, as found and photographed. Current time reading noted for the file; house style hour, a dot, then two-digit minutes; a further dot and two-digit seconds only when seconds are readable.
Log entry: 12.15
